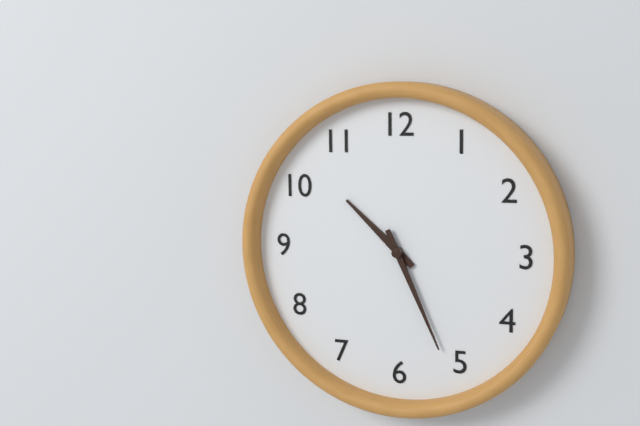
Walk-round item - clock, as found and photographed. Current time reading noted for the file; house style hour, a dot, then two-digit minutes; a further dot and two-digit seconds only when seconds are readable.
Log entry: 10.26
